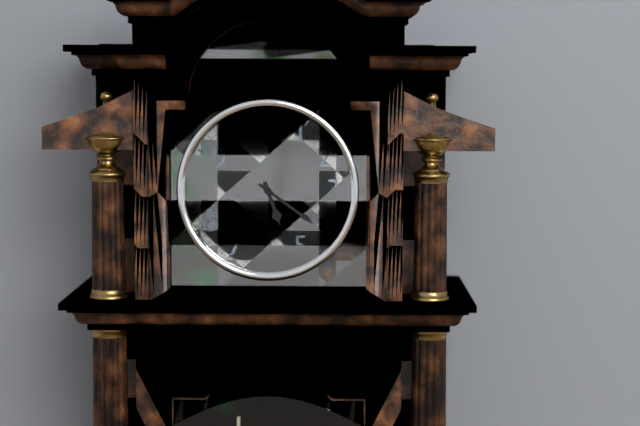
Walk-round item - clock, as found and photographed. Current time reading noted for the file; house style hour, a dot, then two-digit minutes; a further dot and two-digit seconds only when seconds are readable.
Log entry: 5.21
